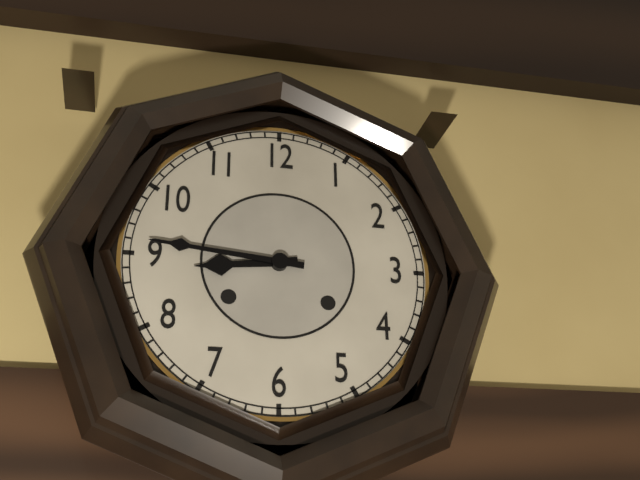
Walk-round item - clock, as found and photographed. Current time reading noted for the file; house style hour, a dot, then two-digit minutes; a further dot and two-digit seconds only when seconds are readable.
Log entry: 8.46
